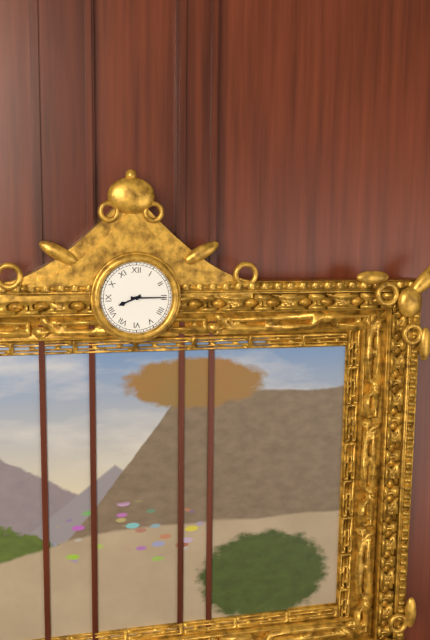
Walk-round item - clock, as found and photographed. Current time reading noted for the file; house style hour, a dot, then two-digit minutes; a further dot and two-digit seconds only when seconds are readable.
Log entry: 8.15
